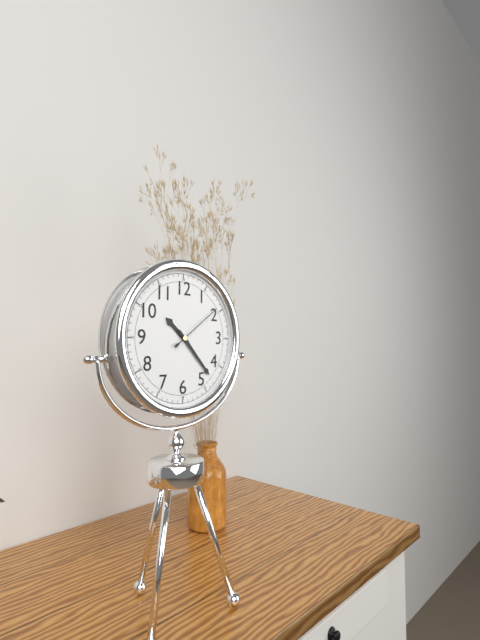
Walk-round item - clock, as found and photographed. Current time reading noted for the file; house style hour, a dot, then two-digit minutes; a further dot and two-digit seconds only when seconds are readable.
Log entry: 10.23.09
